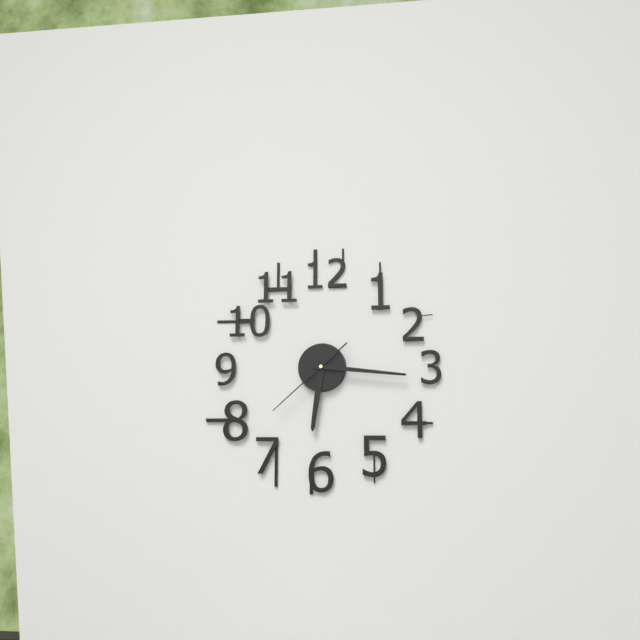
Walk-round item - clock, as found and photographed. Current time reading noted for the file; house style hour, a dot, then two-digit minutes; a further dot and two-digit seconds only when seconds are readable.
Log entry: 6.16.38
